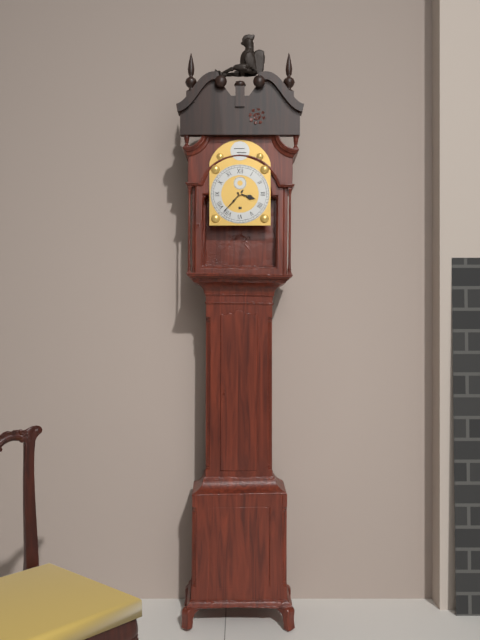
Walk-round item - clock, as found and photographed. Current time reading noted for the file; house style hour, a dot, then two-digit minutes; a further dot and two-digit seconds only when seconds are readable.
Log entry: 3.37
